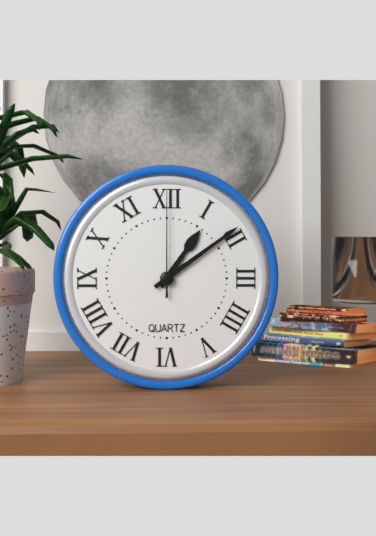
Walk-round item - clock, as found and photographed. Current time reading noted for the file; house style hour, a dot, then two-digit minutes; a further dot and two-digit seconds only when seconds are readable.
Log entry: 1.09.00
